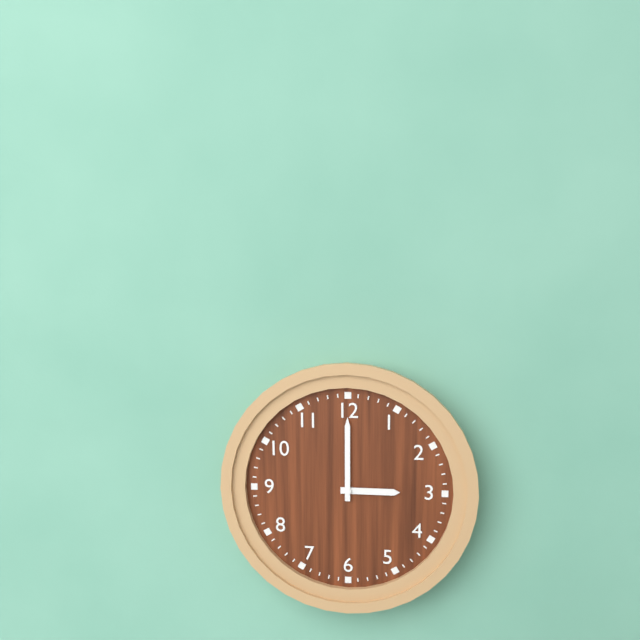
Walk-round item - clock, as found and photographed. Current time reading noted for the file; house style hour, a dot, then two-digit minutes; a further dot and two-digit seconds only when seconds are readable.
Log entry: 3.00
